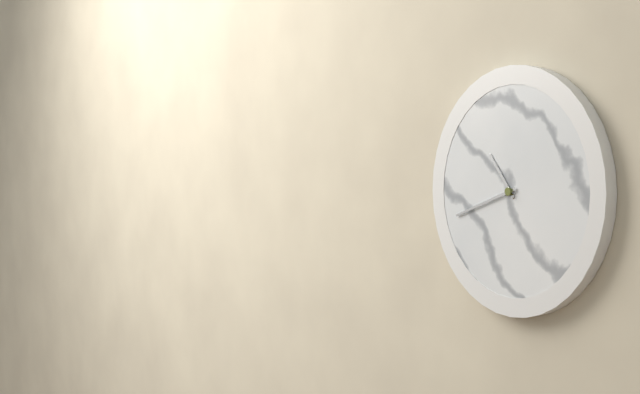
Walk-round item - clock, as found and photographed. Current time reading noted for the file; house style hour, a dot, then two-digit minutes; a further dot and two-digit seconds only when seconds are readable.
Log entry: 10.42
